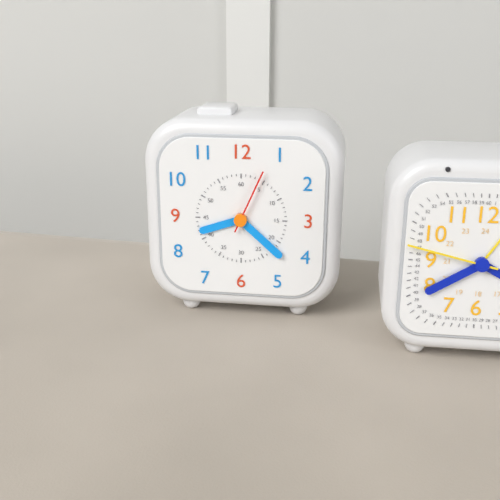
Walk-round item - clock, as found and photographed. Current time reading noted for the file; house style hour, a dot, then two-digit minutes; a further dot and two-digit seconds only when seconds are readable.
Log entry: 8.22.04
